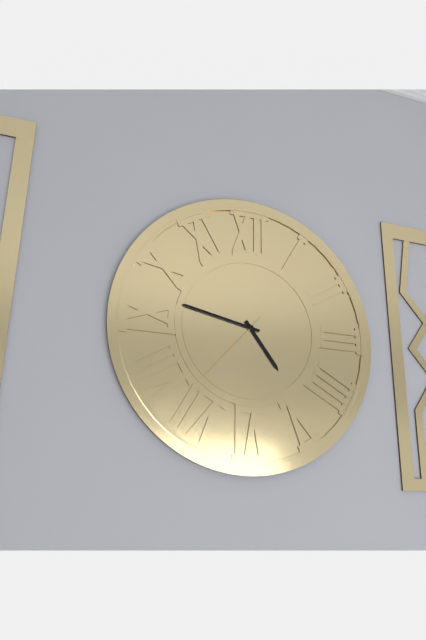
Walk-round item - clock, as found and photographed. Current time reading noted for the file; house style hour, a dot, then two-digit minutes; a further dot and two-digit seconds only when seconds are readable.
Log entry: 4.47.37
